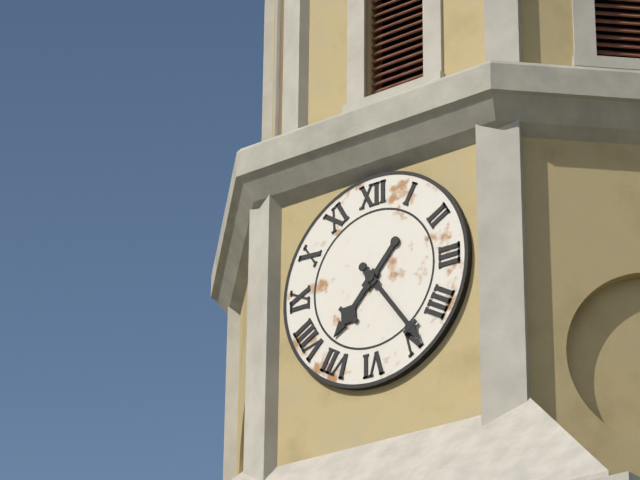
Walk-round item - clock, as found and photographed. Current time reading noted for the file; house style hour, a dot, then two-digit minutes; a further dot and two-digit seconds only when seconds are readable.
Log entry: 7.24
